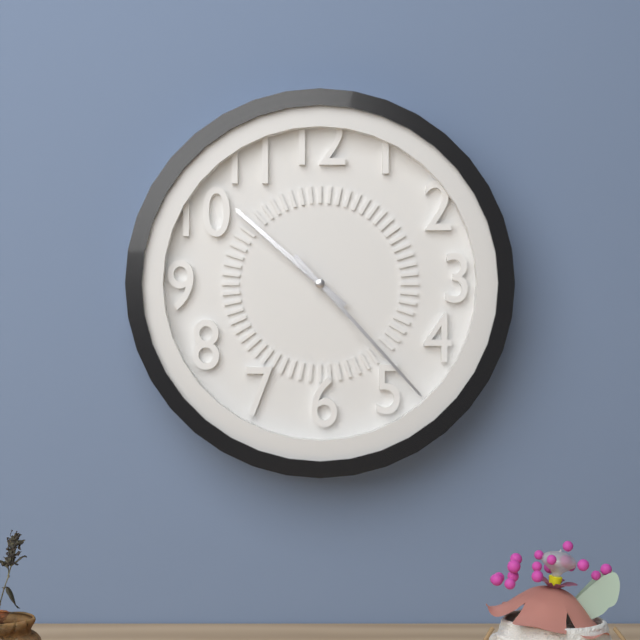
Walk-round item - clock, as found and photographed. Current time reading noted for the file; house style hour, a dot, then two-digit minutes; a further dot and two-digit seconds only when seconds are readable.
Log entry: 10.23
